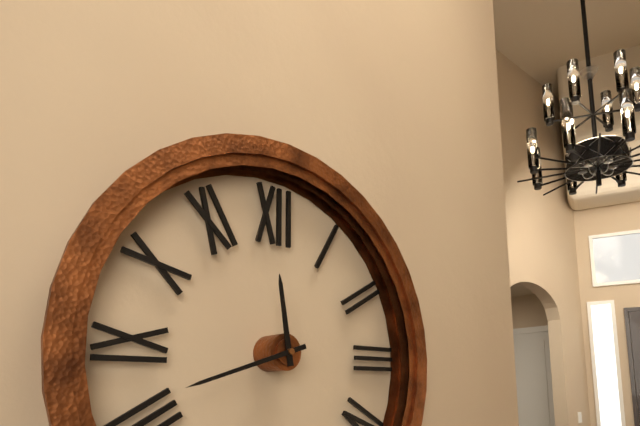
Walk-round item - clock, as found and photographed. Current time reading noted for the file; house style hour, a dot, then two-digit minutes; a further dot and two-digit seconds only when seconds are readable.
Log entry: 11.42
